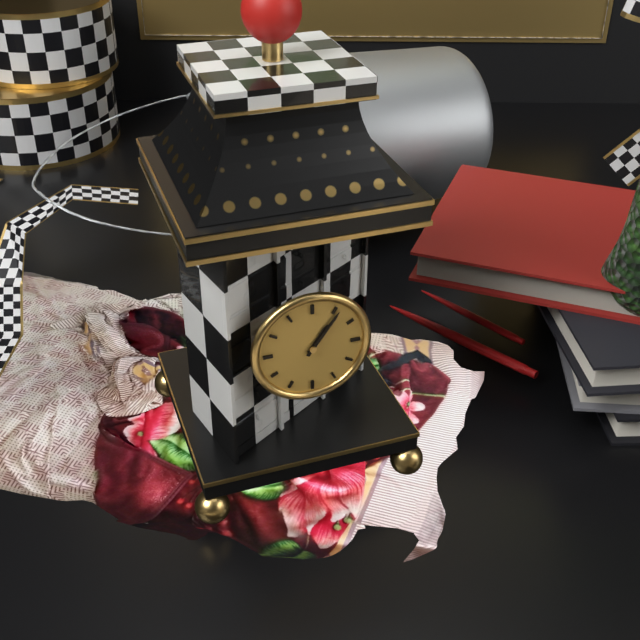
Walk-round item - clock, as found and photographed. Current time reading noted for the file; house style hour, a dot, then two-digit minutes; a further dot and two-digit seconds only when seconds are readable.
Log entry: 1.06
